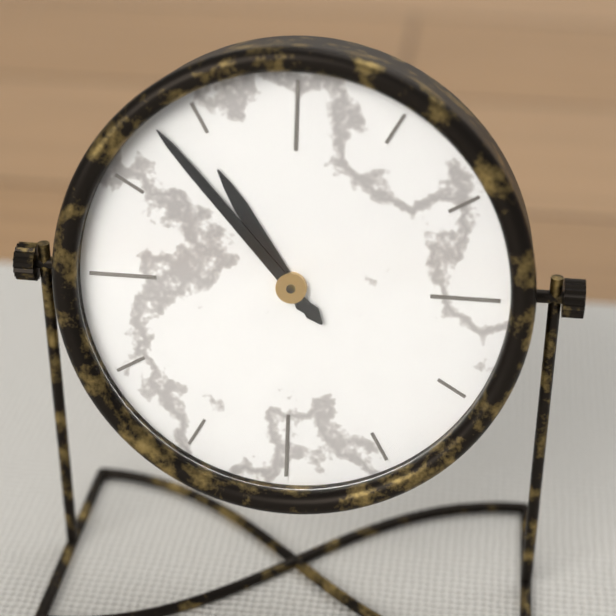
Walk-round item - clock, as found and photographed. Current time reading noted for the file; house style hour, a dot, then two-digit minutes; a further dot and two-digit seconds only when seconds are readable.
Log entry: 10.53
